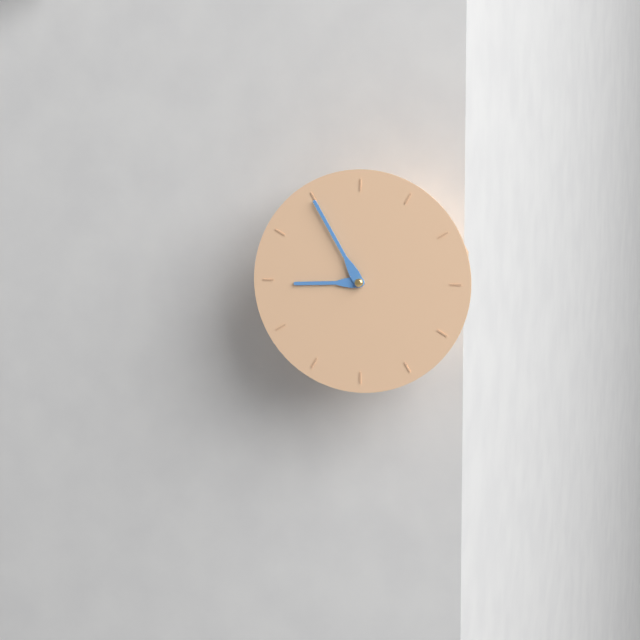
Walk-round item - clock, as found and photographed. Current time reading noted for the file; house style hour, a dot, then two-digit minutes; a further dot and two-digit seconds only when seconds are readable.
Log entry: 8.55
